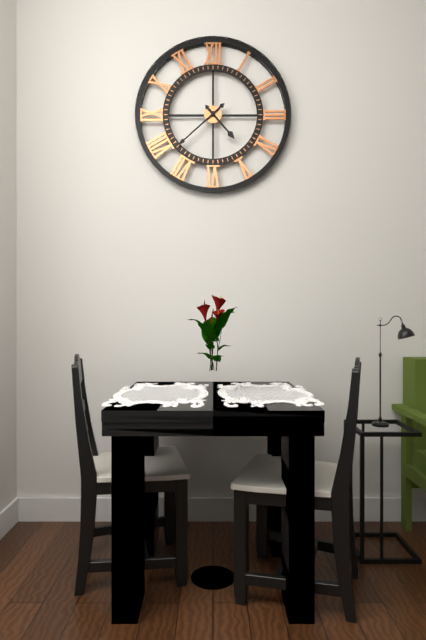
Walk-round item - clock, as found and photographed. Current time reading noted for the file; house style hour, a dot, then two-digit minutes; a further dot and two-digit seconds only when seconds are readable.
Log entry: 4.38
